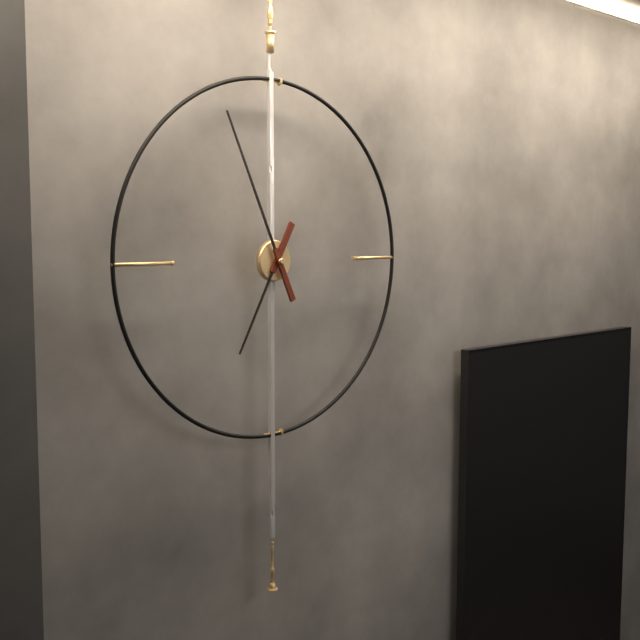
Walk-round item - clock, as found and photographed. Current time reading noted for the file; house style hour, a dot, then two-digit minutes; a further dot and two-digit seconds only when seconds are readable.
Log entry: 6.56
